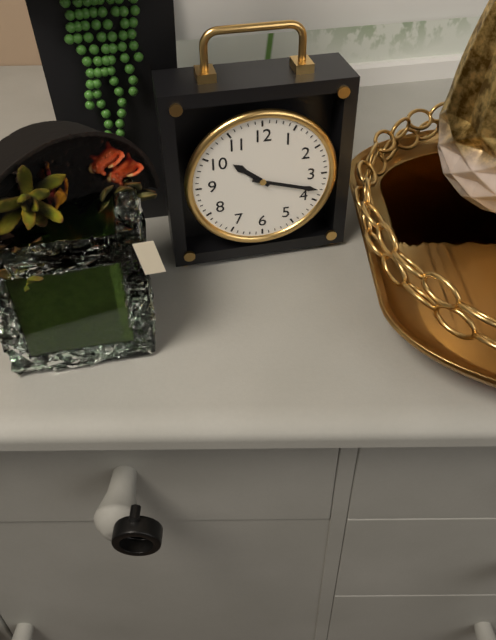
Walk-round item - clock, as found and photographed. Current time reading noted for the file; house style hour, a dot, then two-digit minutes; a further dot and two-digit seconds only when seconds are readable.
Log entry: 10.18
